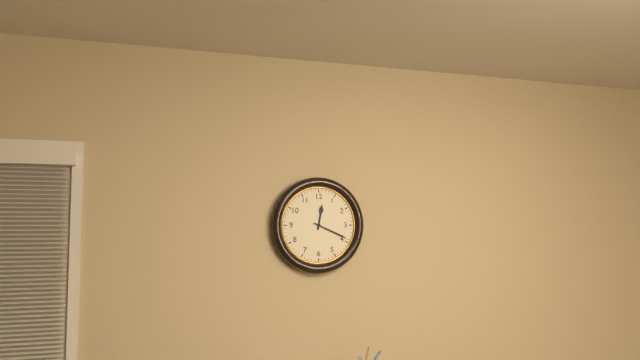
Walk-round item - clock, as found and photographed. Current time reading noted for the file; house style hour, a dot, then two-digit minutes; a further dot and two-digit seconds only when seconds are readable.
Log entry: 12.19
